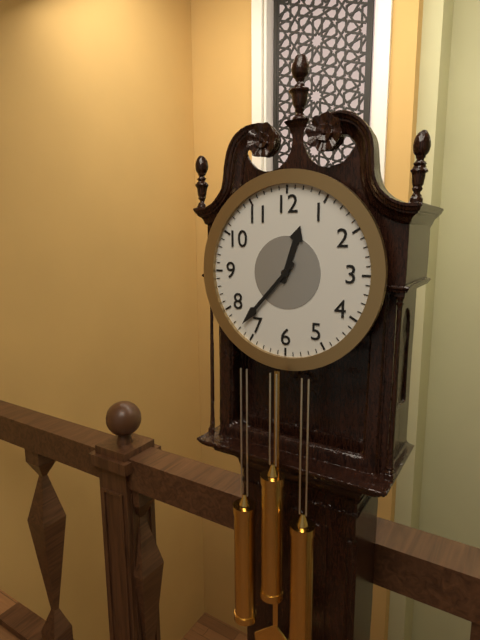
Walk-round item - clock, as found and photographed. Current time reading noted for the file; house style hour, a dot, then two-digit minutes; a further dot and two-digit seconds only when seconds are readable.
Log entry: 12.37
